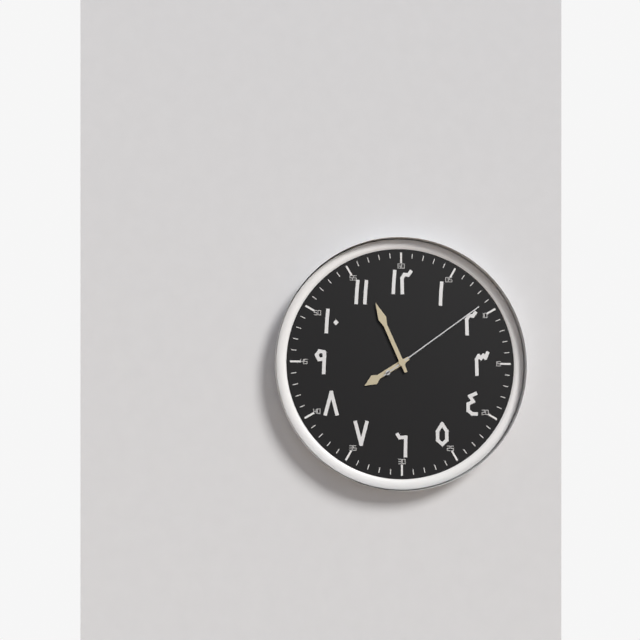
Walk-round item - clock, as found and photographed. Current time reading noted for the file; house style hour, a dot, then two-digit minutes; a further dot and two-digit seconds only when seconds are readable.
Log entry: 7.56.09
